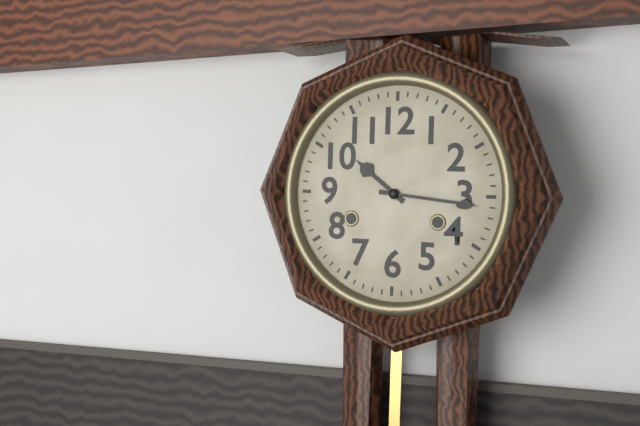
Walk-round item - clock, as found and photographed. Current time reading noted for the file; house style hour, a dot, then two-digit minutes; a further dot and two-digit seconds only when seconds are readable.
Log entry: 10.16
